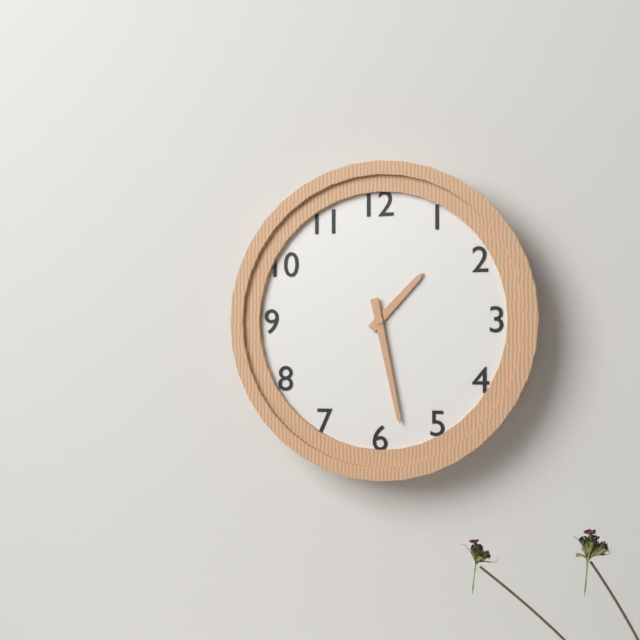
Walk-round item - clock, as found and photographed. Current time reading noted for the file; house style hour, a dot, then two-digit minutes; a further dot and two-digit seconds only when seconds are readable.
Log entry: 1.28
